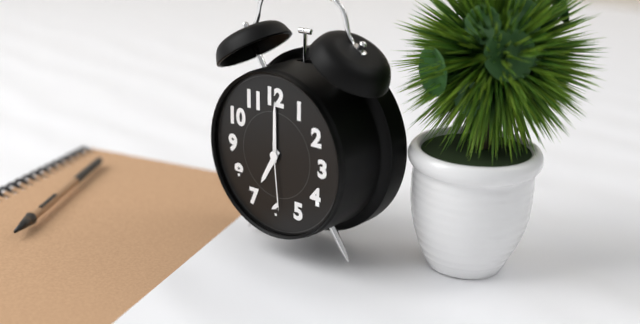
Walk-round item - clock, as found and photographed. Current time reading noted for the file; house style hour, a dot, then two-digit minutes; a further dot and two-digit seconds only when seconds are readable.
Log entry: 7.00.29
